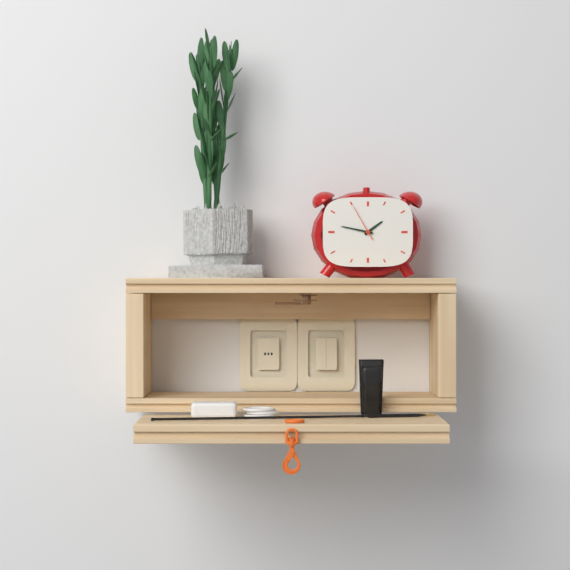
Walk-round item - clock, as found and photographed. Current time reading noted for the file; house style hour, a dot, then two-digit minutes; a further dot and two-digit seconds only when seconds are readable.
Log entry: 1.47
